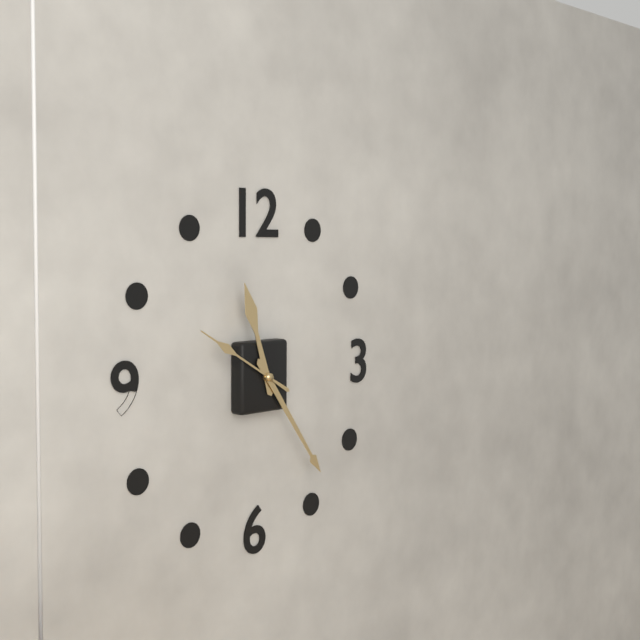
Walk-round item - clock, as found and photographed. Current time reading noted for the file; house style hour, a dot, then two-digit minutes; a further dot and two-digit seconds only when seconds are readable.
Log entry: 11.24.50
